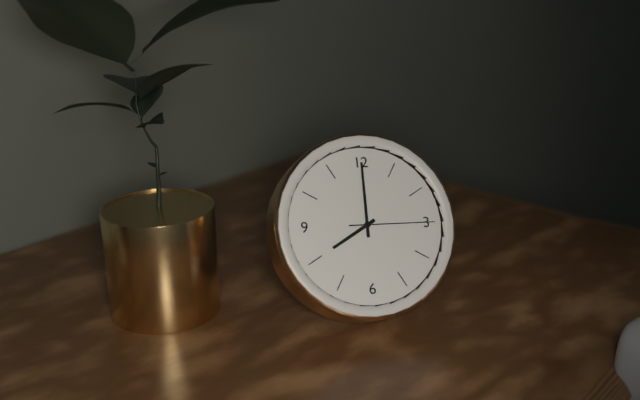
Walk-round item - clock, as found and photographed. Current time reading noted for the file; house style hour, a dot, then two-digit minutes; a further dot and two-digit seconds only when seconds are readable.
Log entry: 8.00.15
